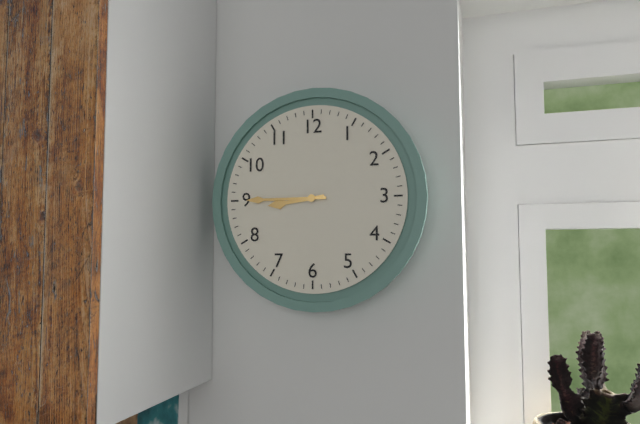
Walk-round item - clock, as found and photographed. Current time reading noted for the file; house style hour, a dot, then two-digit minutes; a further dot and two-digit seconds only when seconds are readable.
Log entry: 8.45
